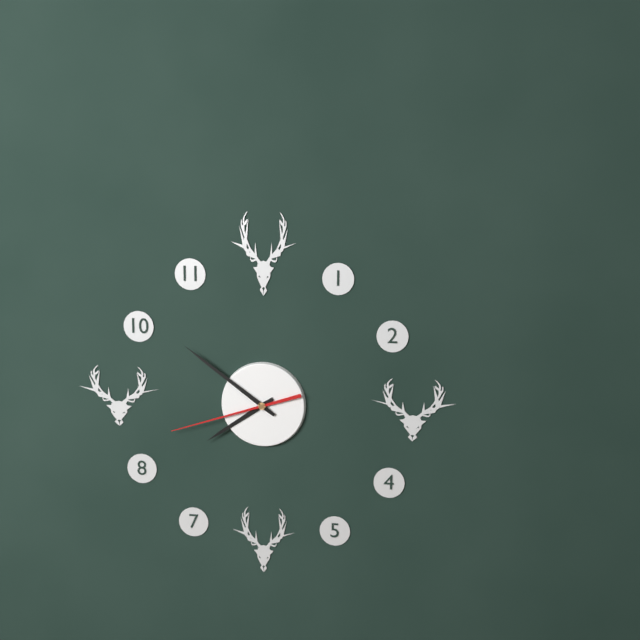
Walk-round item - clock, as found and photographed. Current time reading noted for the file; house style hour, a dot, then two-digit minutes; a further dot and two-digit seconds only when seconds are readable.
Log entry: 7.51.42
